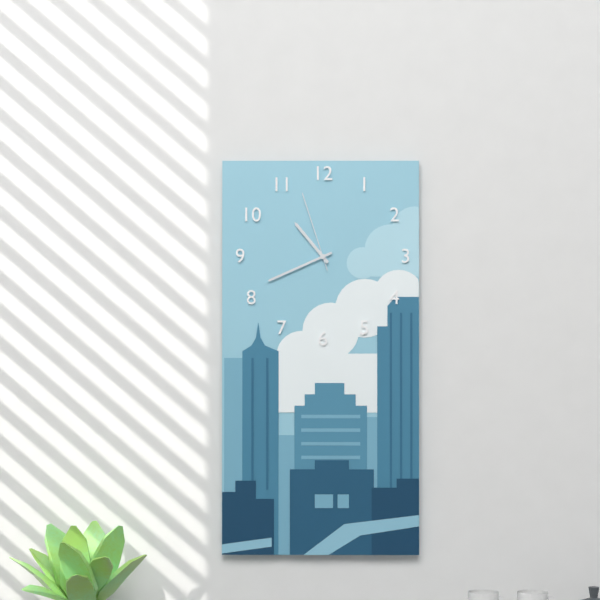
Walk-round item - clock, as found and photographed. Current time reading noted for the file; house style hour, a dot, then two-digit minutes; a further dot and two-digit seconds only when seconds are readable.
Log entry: 10.41.57
